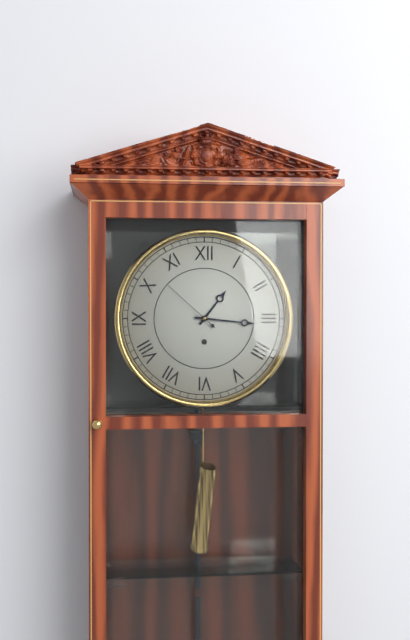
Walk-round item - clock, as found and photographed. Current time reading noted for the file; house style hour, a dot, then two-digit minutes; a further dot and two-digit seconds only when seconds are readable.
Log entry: 1.16.52
